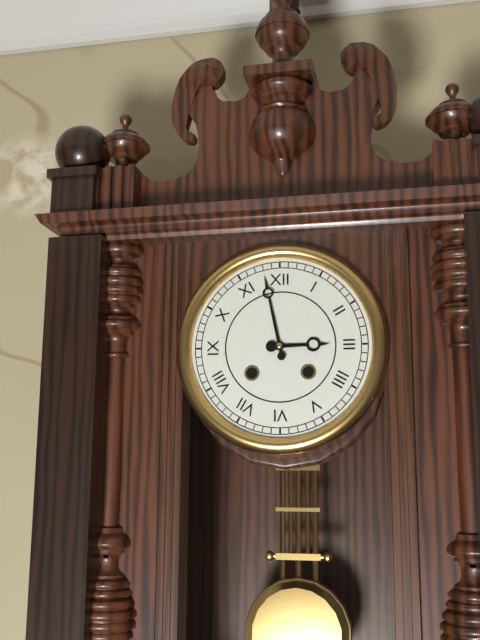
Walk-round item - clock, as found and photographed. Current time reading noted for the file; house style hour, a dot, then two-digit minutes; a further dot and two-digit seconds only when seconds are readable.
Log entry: 2.58
